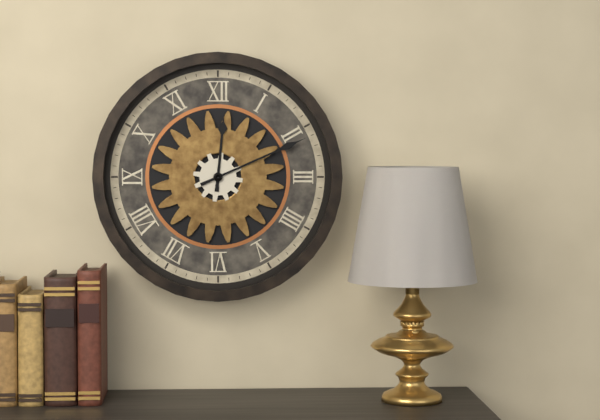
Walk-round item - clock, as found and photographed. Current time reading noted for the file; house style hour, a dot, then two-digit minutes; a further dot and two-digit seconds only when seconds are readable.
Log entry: 12.11
